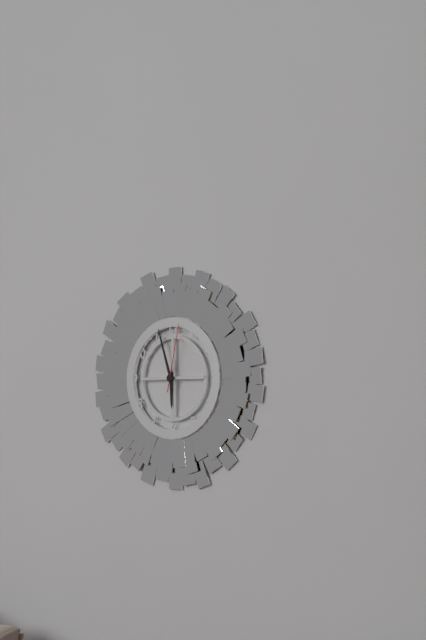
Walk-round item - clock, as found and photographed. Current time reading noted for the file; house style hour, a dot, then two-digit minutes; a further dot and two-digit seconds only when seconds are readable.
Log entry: 5.57.02
